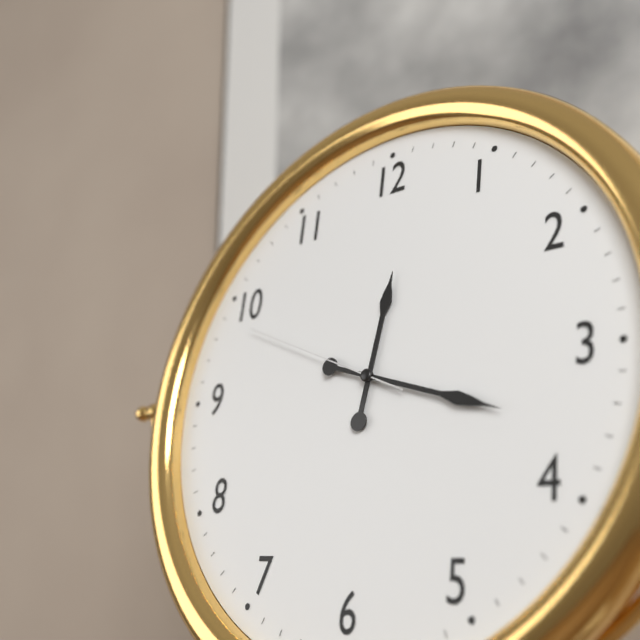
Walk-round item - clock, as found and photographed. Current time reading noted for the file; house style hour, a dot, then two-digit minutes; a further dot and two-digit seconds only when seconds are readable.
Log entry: 12.18.49
